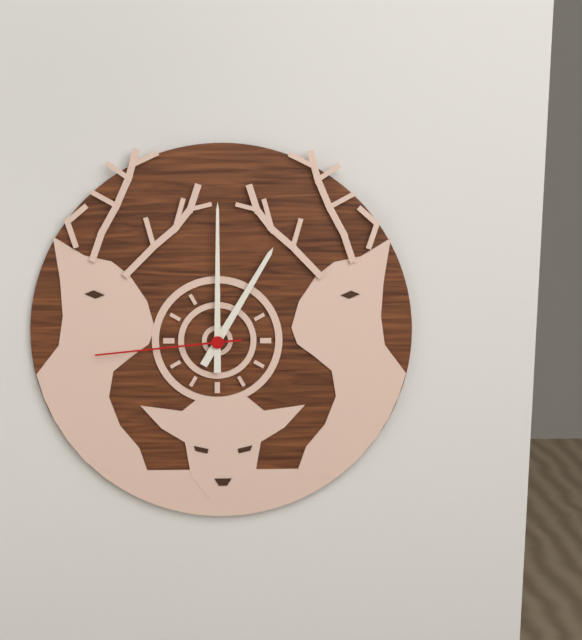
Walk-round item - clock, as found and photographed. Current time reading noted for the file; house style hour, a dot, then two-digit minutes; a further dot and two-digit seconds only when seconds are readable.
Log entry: 1.00.44
